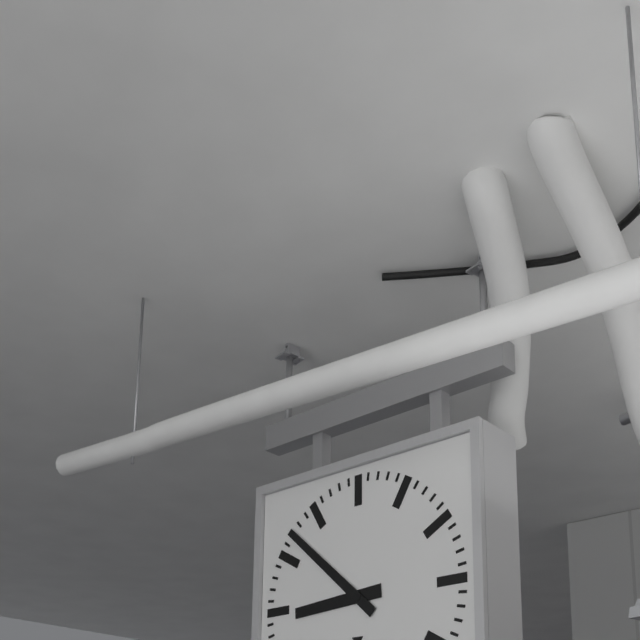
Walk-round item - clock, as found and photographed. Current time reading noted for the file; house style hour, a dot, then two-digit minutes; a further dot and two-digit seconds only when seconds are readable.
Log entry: 8.52
